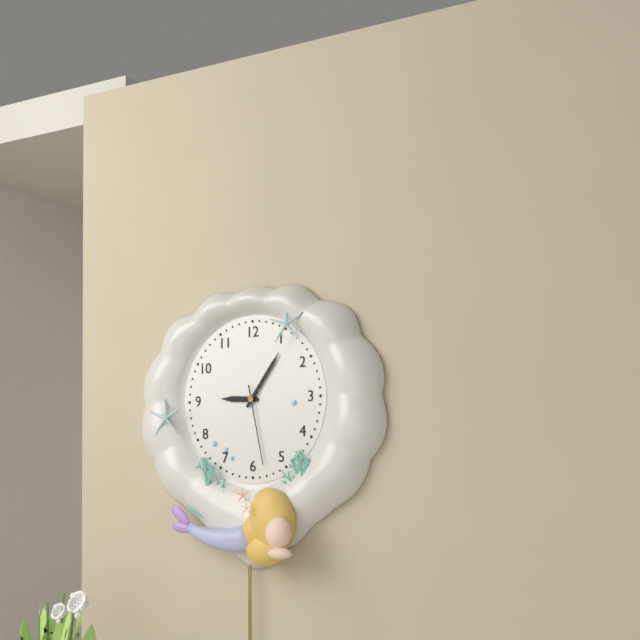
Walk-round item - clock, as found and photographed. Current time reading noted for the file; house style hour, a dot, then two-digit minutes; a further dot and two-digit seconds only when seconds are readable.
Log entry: 9.06.28
